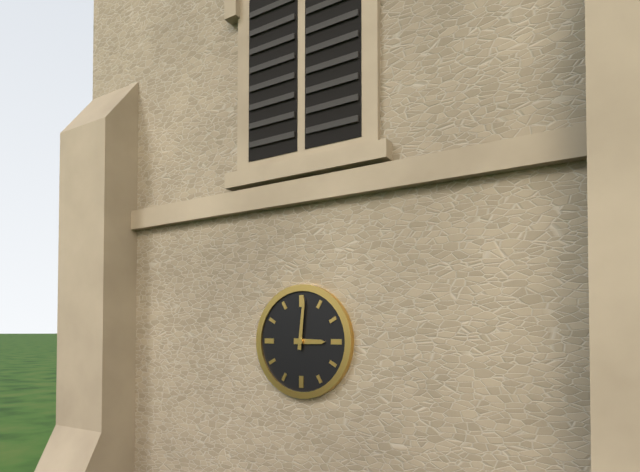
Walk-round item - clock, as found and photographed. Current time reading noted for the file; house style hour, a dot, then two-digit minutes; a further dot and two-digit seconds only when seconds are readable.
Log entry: 3.01
